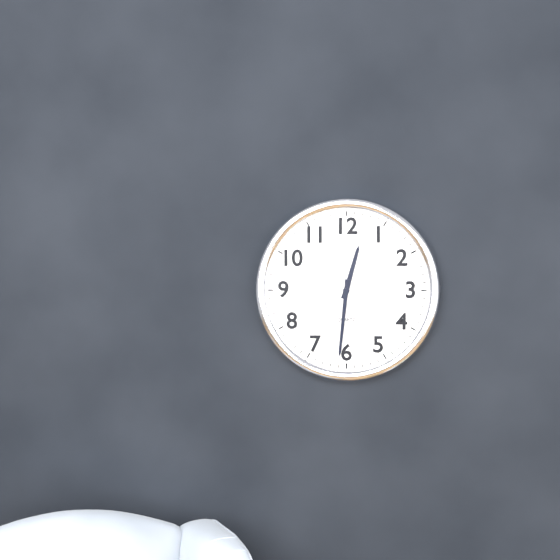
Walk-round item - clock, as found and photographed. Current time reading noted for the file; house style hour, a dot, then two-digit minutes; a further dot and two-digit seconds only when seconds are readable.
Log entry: 12.31
